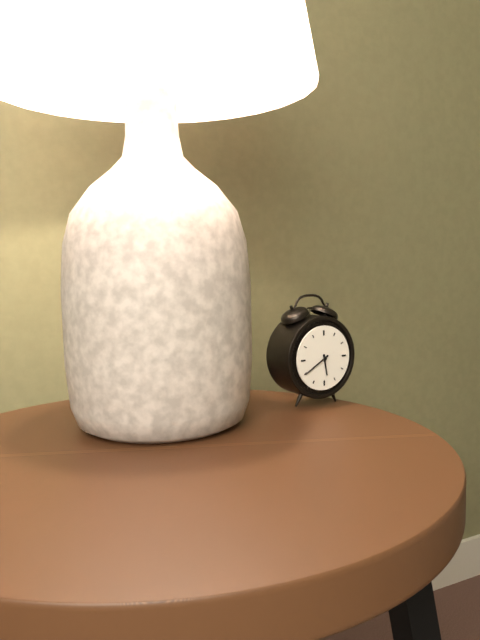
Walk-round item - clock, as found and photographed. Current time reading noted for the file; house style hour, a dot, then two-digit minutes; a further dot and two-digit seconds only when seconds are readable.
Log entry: 5.40
